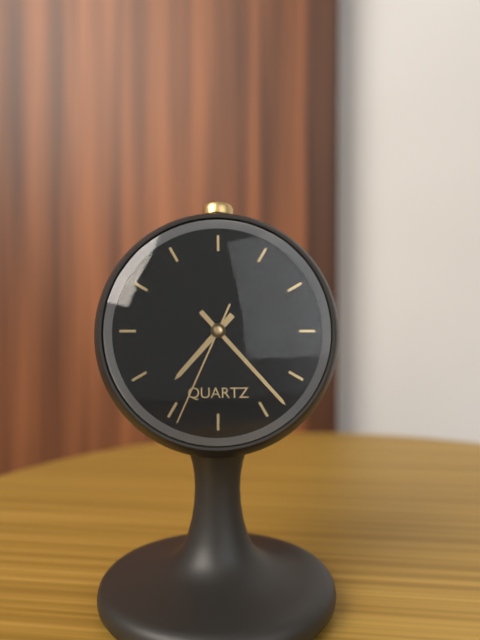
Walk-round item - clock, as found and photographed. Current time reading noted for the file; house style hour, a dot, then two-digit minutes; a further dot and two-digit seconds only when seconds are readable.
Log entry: 7.23.34
